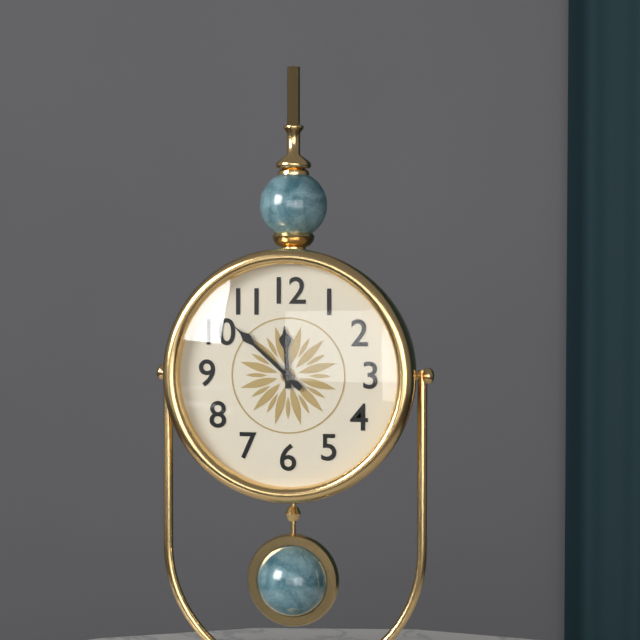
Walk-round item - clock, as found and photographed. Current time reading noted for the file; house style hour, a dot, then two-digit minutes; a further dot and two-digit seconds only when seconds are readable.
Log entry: 11.52
